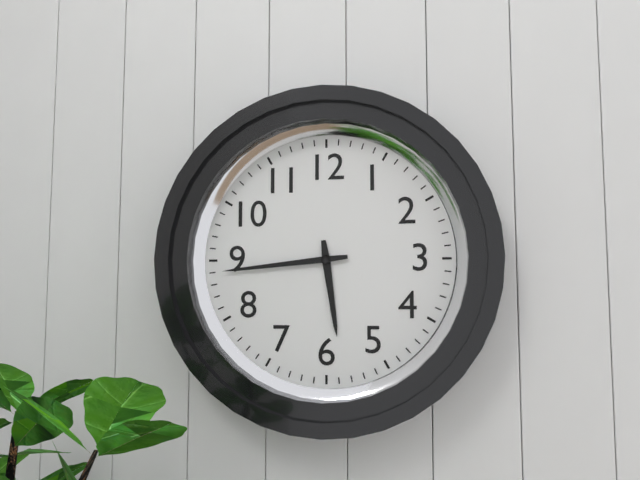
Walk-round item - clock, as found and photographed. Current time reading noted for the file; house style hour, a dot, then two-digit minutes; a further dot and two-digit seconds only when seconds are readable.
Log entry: 5.44
